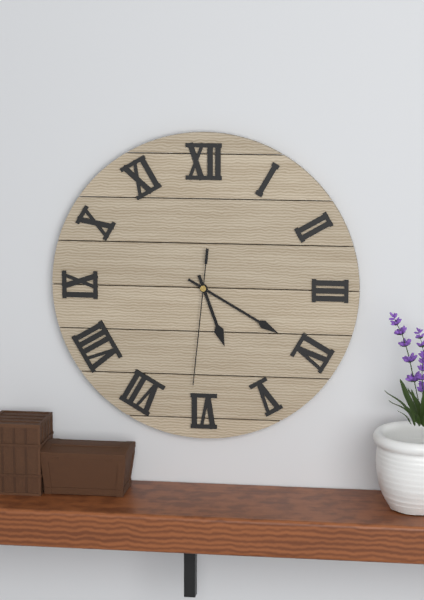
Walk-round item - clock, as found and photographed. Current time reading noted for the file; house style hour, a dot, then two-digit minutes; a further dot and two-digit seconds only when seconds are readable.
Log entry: 5.20.31
